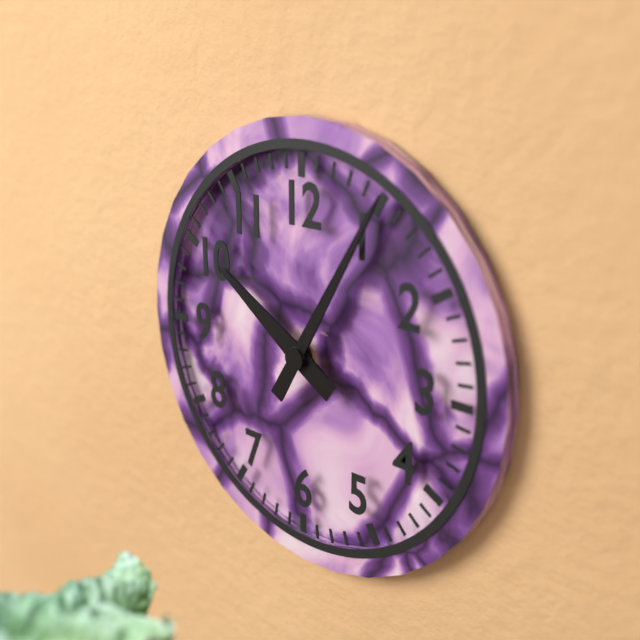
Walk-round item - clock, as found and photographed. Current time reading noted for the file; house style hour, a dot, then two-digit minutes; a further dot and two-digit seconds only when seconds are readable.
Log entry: 10.05
